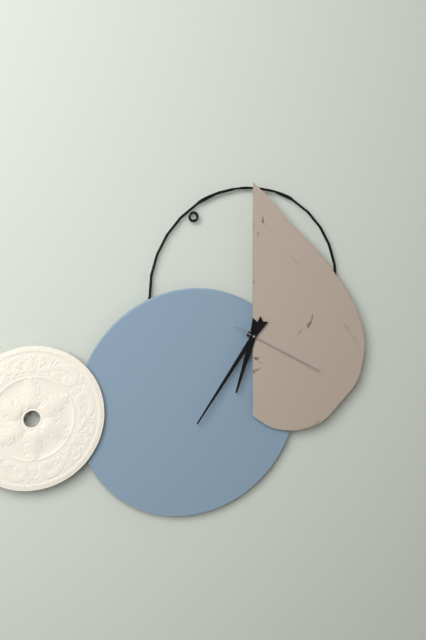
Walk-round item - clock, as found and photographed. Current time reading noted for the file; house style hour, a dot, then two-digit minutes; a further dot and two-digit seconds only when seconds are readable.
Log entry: 6.36.20
